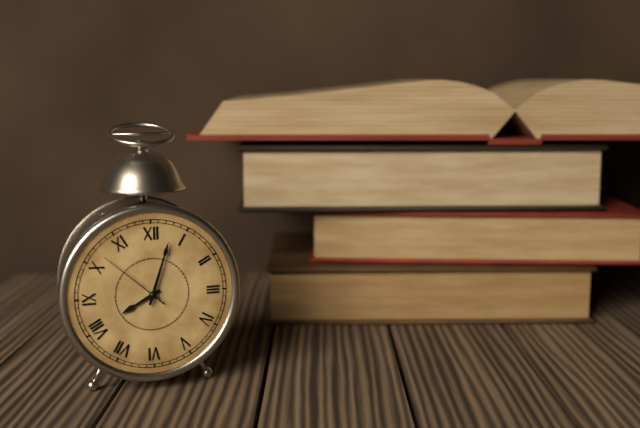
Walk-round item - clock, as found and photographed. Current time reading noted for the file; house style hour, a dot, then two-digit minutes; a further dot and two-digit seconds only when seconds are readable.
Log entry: 8.03.52
